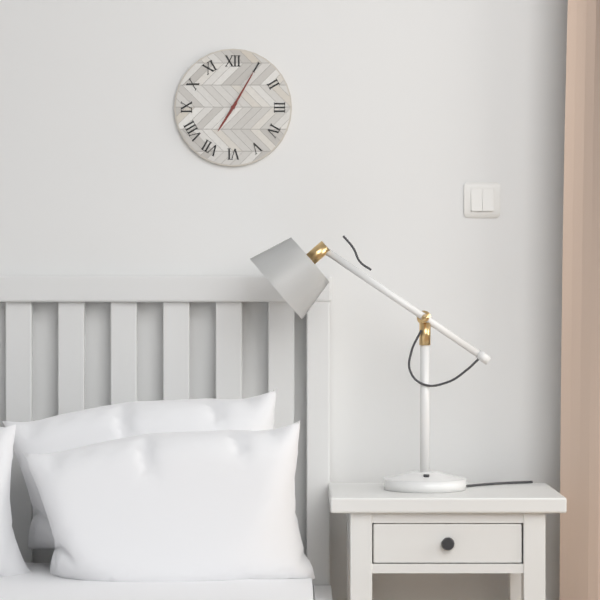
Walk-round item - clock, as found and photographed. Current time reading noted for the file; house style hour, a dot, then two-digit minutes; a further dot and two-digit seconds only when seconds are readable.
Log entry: 7.05
